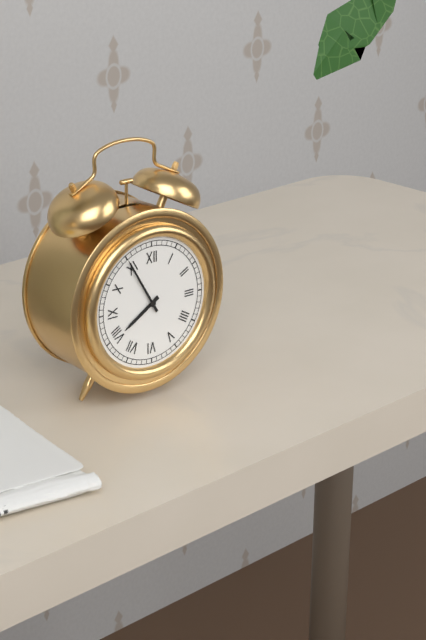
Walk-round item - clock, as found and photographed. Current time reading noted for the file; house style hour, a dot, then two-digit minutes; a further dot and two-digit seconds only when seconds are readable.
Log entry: 7.55
